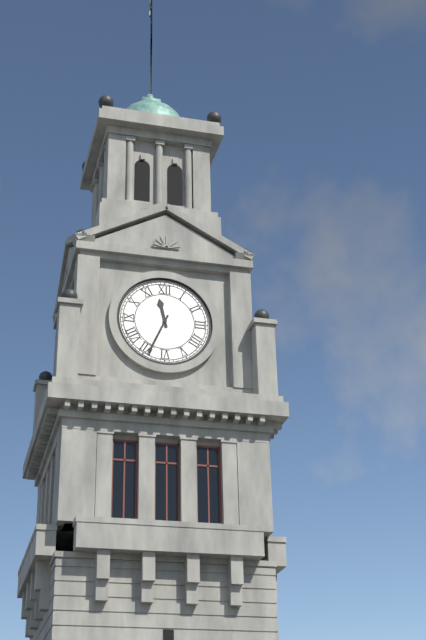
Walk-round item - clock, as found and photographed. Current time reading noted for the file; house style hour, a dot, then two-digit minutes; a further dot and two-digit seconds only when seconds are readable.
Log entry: 11.34
